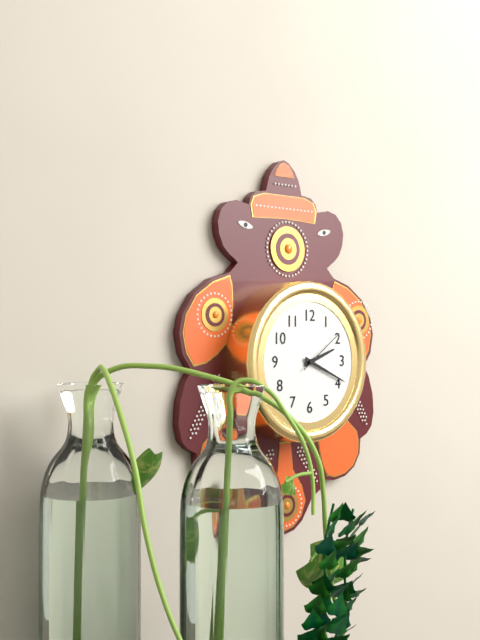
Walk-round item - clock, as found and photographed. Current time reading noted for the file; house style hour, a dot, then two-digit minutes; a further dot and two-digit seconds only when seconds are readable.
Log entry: 2.19.09
